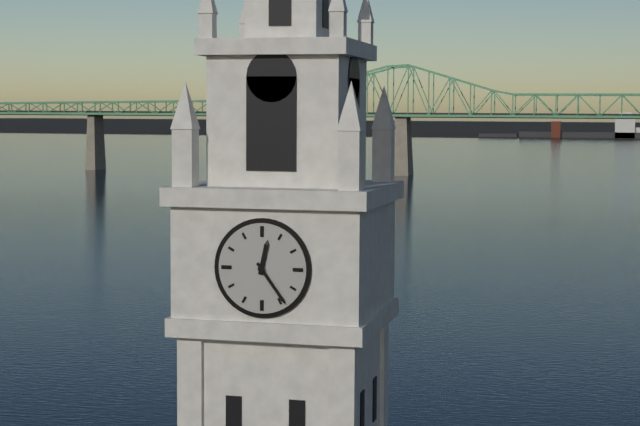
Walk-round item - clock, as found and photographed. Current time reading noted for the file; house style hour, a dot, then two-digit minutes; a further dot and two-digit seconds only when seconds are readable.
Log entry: 12.24
